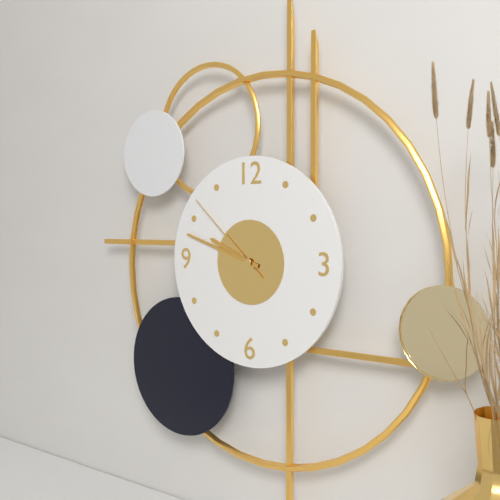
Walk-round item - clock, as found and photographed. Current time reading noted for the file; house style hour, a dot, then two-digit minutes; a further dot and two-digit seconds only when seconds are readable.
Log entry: 9.48.52
